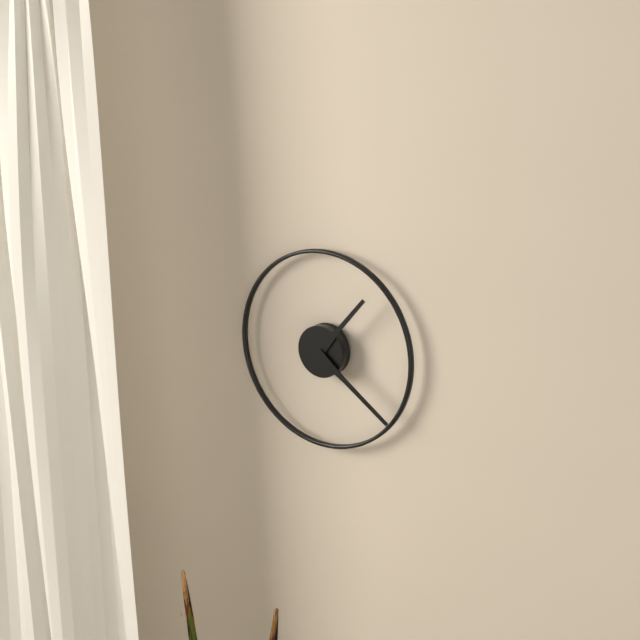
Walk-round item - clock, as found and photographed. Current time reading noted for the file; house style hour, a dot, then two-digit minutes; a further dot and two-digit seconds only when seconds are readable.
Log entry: 1.21
